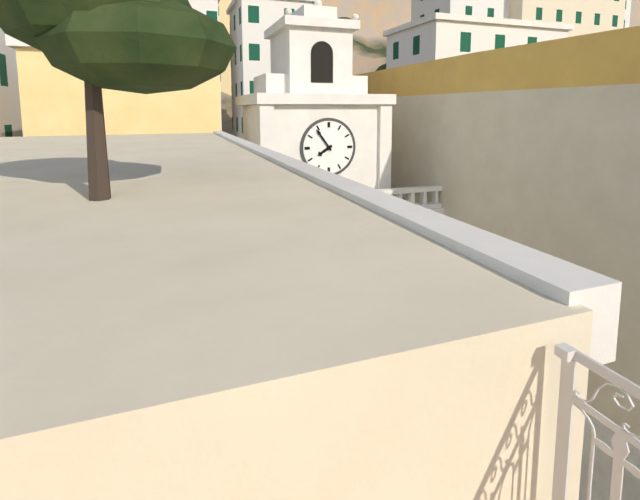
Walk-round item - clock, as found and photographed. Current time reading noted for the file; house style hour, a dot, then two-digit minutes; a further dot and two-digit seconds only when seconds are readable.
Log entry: 7.54
